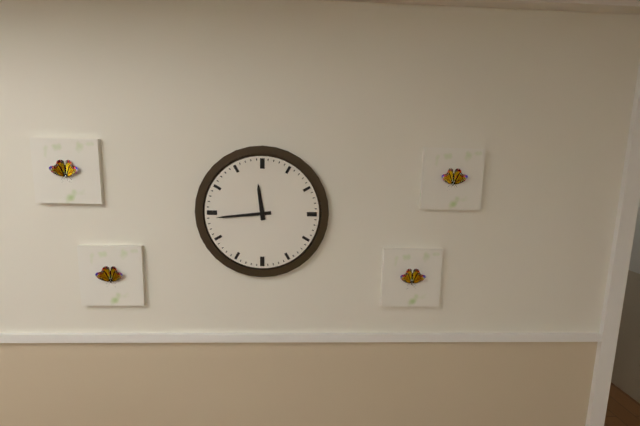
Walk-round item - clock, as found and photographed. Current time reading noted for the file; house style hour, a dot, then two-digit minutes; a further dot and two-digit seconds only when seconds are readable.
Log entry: 11.44
